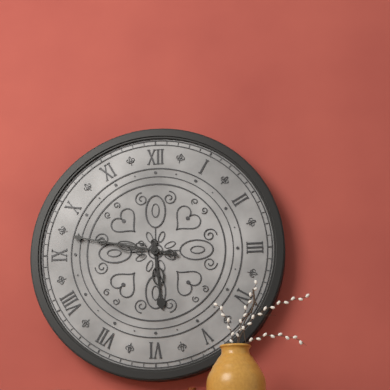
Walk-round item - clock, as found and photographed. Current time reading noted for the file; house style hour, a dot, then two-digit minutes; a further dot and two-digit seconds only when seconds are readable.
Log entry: 5.47
